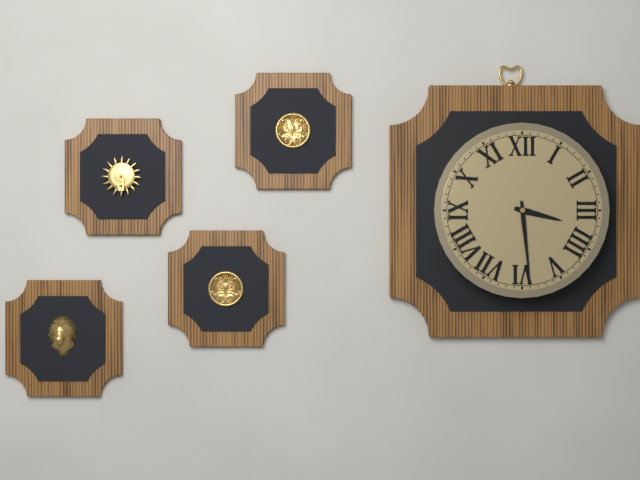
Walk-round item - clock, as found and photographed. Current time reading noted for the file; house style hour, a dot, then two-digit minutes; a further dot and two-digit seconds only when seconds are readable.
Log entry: 3.29
